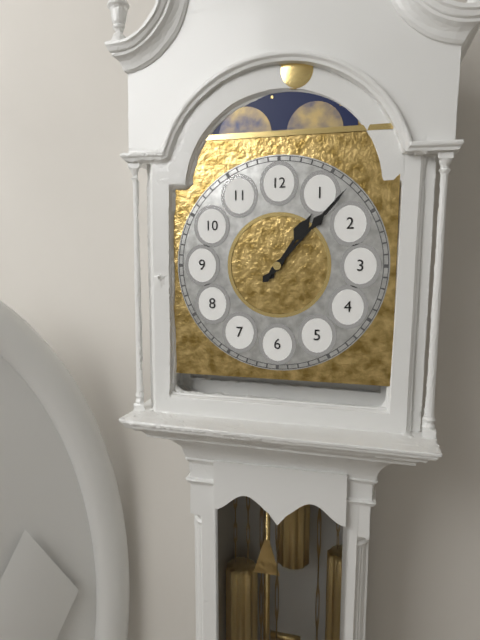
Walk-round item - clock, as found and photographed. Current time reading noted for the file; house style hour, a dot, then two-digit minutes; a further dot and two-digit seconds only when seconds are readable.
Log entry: 1.07
